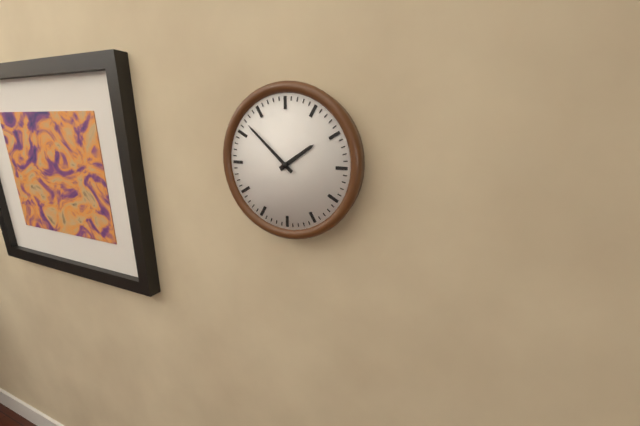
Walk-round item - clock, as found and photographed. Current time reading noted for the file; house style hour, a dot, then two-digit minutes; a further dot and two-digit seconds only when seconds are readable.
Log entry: 1.52
